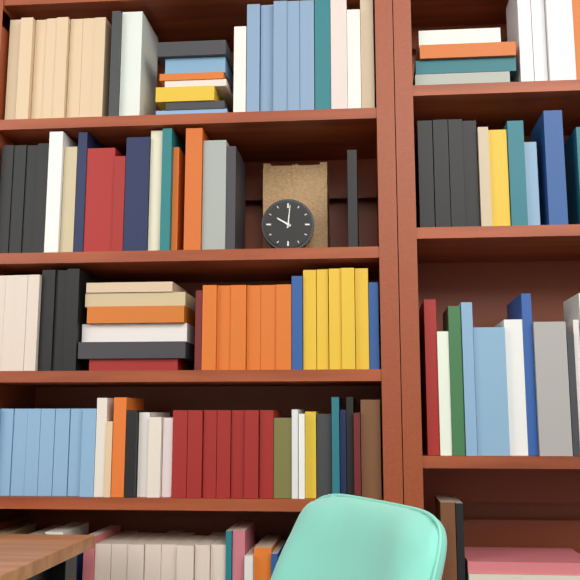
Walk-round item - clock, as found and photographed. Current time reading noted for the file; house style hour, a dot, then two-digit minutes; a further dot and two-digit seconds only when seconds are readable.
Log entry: 10.01
